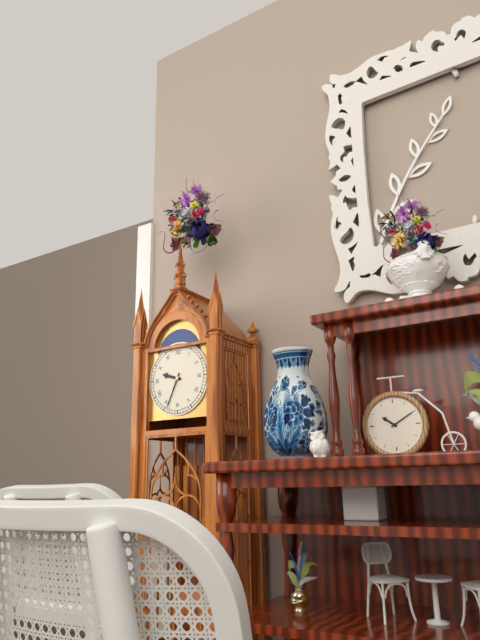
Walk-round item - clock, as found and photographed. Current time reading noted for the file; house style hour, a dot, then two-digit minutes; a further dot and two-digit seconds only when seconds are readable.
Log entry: 9.34
